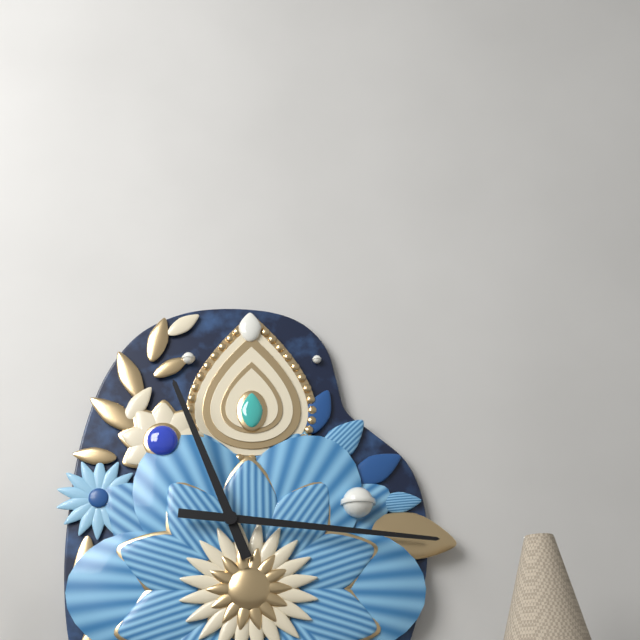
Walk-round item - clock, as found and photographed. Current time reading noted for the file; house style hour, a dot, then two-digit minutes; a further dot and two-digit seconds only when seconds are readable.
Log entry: 11.16
